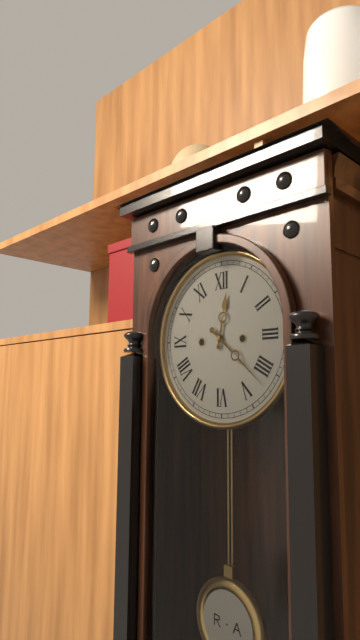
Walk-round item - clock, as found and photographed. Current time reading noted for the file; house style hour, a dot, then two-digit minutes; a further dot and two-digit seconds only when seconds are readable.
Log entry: 12.22
